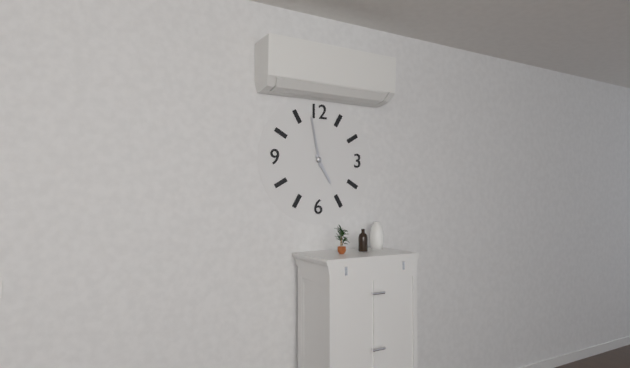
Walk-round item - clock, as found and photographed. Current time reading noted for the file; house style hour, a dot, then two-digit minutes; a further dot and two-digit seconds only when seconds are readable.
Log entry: 4.58
